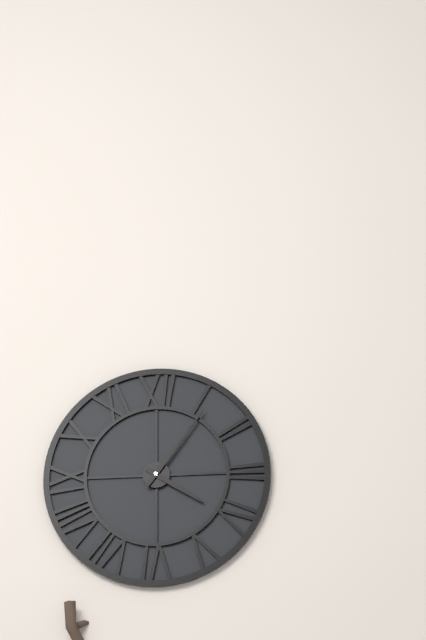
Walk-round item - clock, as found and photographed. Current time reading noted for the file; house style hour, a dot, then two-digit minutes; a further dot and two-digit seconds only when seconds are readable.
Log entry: 4.06
